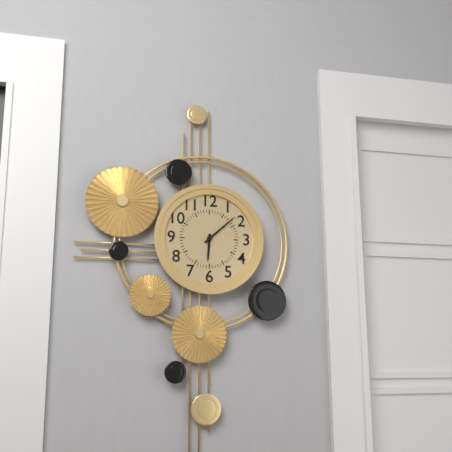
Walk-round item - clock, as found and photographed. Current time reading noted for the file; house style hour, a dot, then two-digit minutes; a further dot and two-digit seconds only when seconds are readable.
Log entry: 6.08
